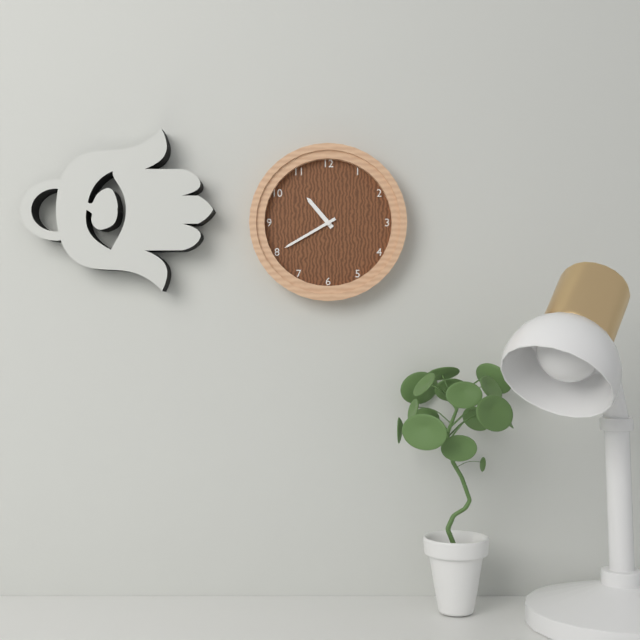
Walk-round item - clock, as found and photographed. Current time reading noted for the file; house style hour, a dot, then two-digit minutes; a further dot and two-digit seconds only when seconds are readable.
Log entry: 10.40
